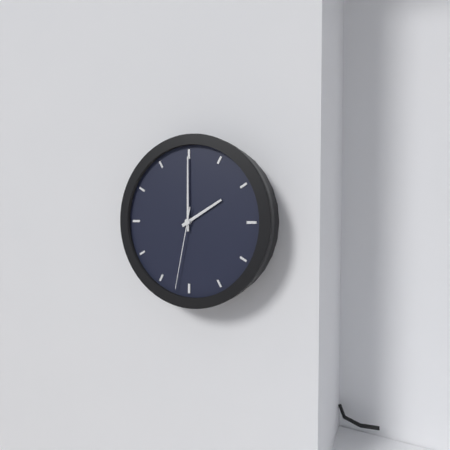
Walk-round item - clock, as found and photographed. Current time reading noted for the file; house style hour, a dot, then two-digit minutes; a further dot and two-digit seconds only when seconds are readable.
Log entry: 2.00.32
